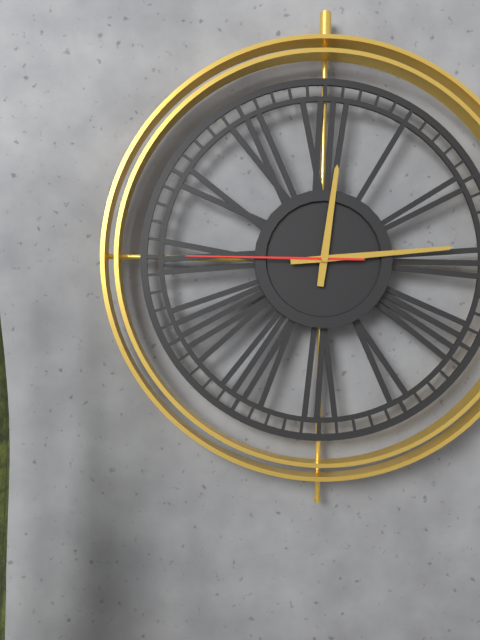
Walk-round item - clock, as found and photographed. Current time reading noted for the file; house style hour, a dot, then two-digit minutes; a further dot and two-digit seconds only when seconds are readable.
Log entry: 12.14.45
